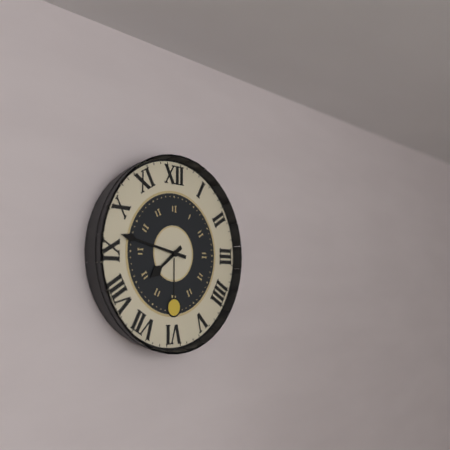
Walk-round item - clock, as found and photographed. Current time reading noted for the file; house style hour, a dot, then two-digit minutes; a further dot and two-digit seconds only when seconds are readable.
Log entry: 7.47
